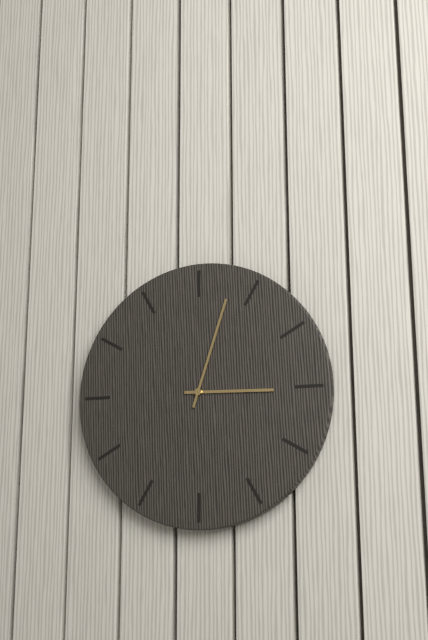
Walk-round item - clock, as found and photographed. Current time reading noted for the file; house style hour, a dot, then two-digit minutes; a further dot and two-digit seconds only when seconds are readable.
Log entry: 3.03
